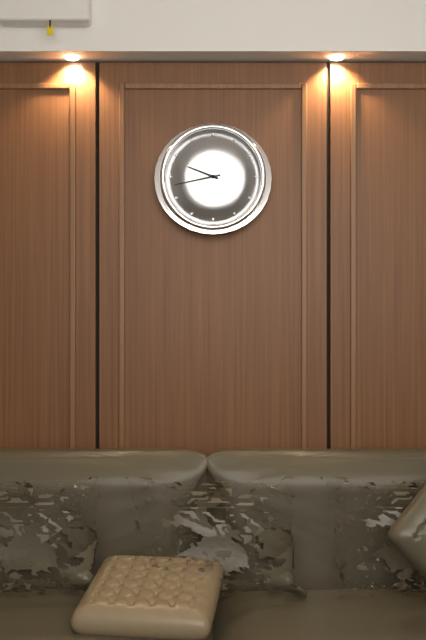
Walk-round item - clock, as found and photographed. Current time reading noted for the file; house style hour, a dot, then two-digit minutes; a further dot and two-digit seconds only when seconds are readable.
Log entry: 9.43
